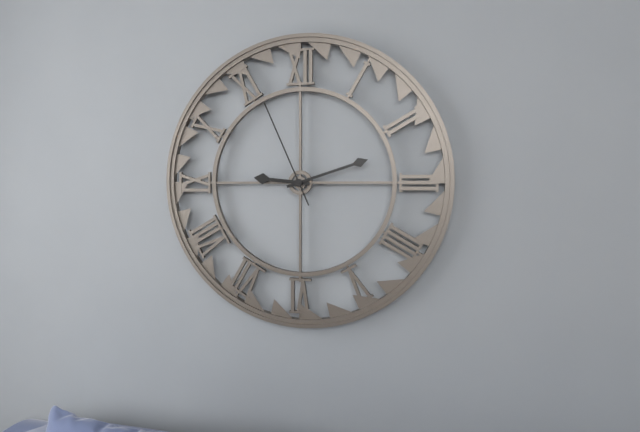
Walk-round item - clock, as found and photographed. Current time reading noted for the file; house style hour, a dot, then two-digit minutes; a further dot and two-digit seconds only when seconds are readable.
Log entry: 9.12.56
